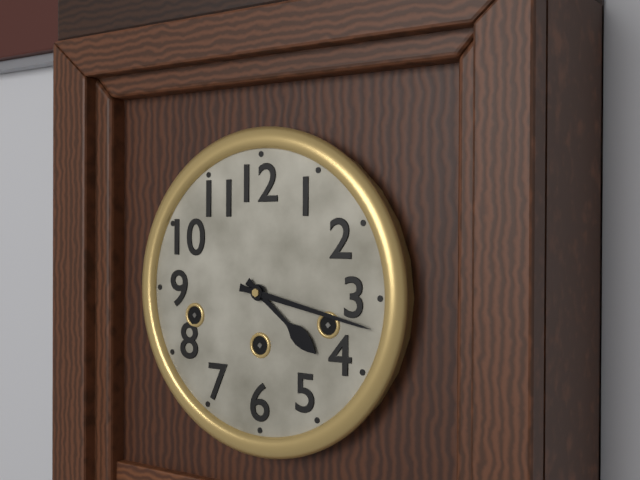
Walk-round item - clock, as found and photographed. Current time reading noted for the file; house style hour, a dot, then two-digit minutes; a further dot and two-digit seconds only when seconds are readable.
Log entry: 4.17
